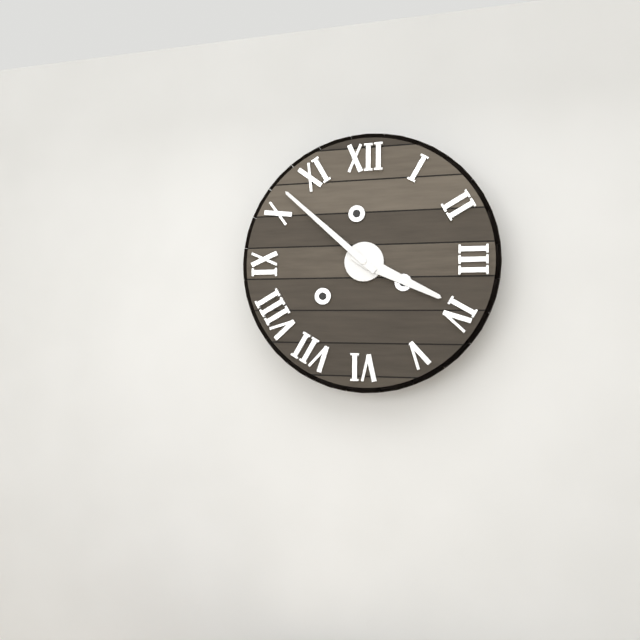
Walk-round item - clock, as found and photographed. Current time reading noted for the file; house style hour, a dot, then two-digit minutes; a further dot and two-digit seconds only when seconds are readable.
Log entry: 3.52
